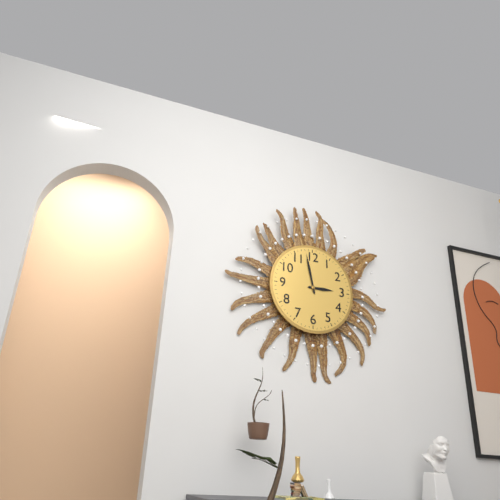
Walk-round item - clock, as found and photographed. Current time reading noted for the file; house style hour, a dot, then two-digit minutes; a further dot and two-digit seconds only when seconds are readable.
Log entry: 2.58
